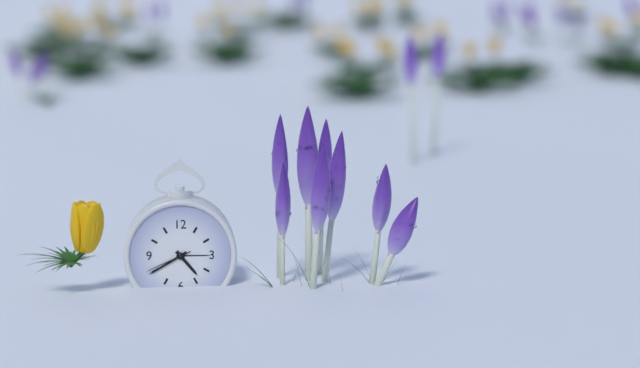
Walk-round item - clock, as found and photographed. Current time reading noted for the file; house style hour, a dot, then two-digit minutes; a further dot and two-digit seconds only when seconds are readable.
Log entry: 4.40
